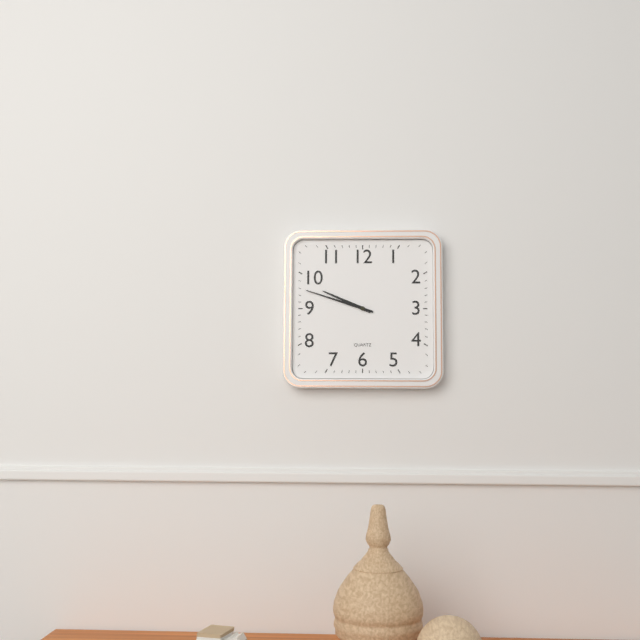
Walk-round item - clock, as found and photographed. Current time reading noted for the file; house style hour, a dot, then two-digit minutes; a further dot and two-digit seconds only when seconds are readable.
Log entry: 9.48
